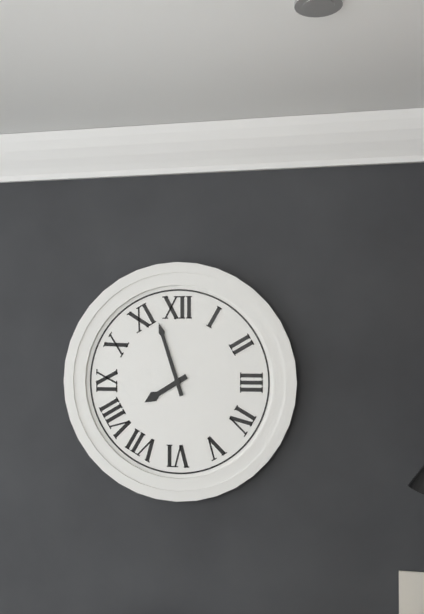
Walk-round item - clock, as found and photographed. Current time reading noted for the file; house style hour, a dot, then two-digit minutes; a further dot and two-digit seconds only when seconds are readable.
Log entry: 7.57
